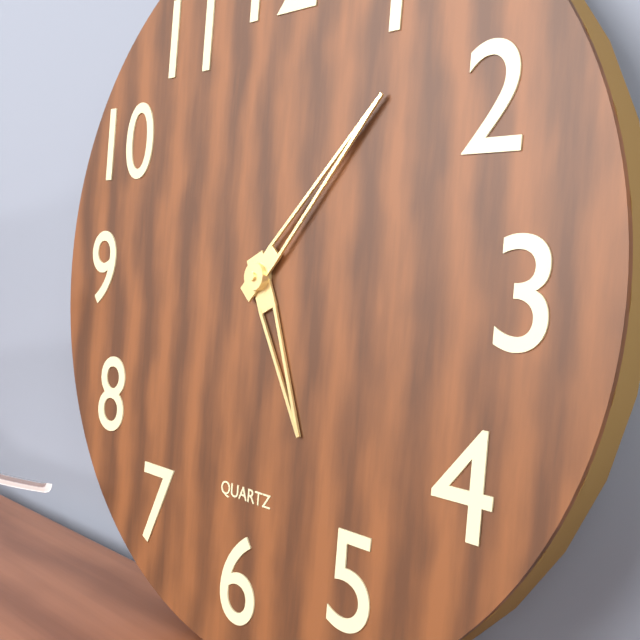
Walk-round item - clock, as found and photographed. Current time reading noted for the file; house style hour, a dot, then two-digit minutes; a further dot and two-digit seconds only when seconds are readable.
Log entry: 5.07
